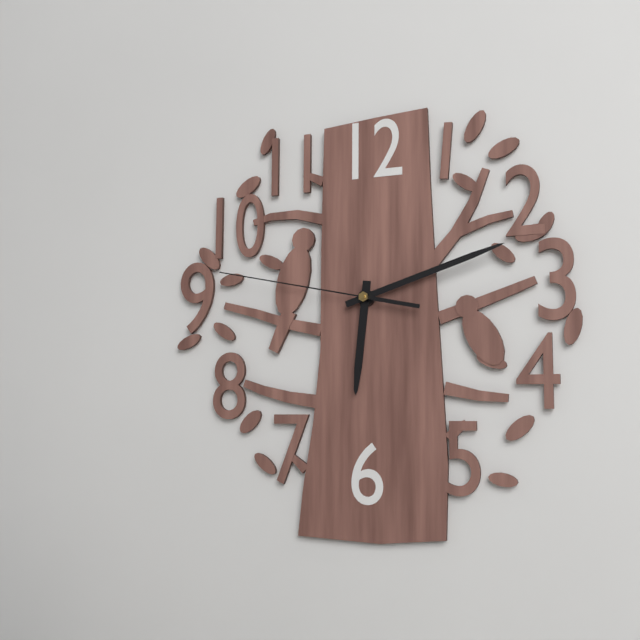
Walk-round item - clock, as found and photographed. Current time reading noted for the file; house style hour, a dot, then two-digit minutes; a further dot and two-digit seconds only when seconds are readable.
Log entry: 6.12.47
